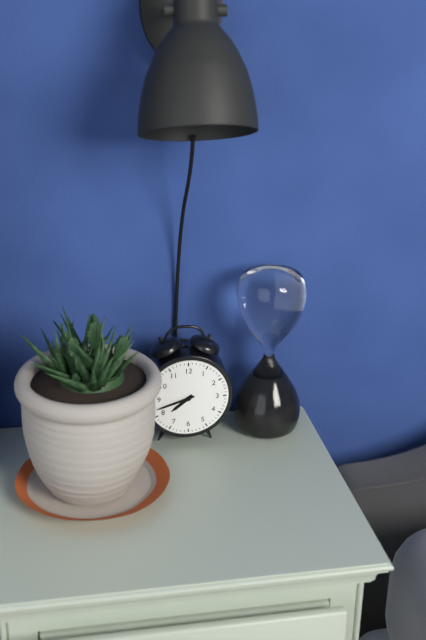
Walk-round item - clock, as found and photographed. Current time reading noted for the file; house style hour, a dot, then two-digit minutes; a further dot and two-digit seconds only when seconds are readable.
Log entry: 7.42
